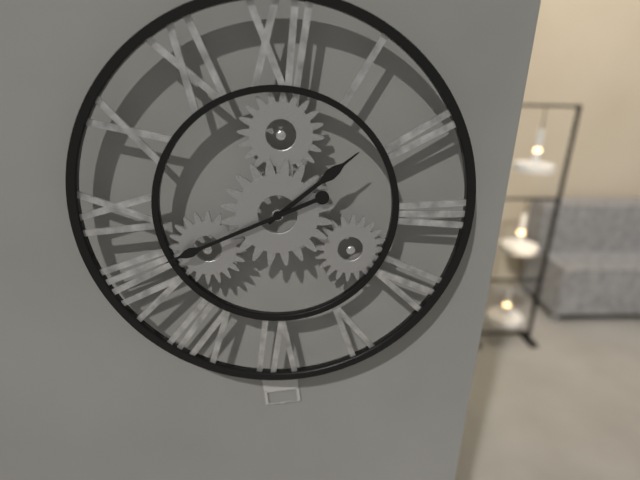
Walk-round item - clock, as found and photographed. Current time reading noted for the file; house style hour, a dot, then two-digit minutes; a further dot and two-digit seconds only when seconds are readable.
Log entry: 1.41
